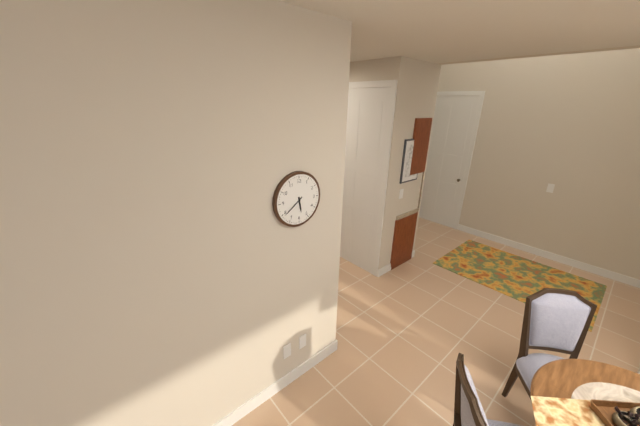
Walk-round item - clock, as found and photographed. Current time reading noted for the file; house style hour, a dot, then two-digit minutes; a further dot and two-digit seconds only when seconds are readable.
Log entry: 5.39
